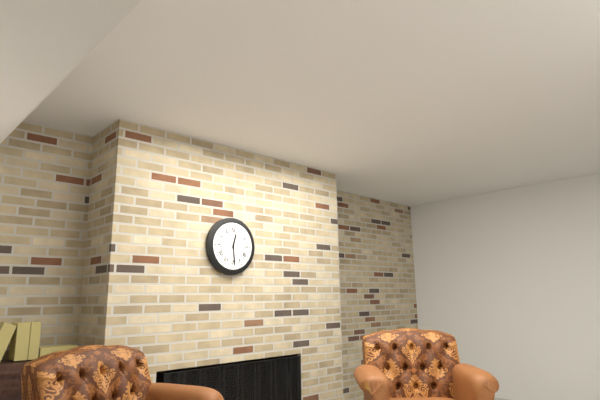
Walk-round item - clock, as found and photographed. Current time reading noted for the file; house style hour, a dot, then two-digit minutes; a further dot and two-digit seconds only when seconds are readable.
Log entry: 12.29
